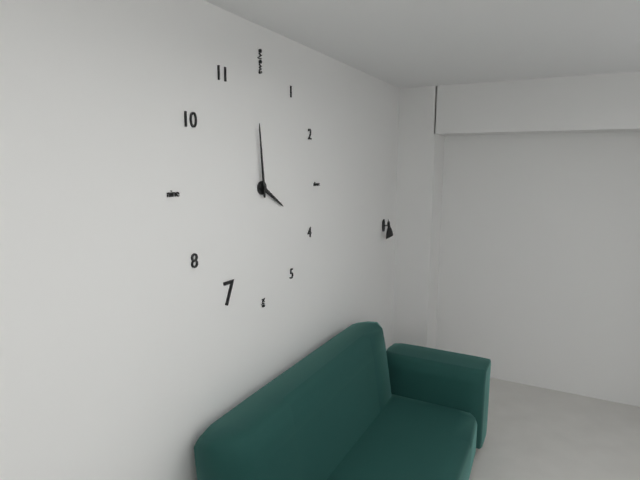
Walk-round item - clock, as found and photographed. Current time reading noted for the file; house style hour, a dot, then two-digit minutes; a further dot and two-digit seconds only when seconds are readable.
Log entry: 3.59
